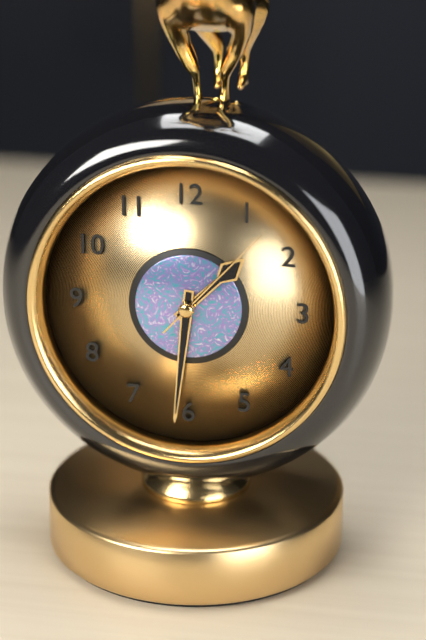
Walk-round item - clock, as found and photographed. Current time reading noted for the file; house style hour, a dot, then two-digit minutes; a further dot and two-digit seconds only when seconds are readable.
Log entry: 1.31.07
